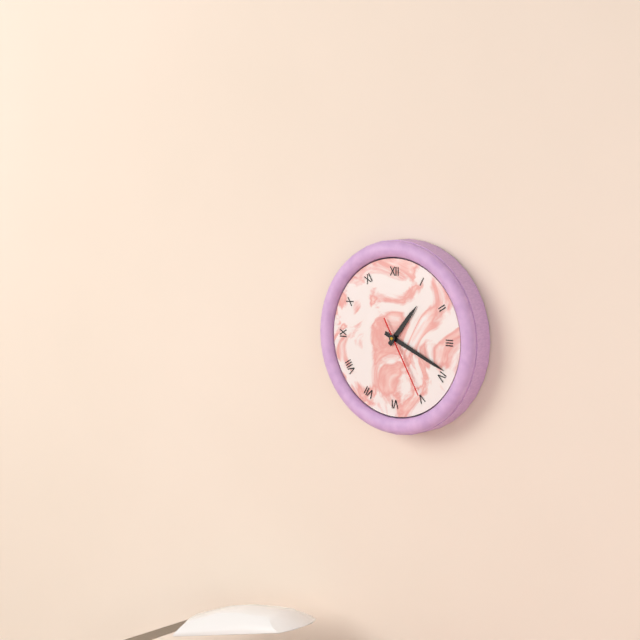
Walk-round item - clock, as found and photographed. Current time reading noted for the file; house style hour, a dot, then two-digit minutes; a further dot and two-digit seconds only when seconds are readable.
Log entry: 1.19.25
